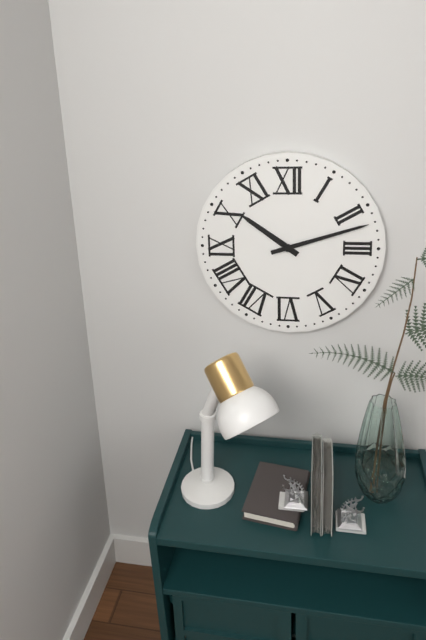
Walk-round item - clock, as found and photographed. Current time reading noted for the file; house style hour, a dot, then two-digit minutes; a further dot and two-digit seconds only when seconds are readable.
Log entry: 10.12
